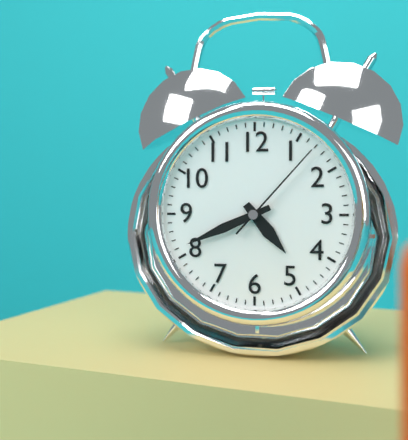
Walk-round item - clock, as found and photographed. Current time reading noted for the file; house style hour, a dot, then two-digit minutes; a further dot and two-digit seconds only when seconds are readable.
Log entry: 4.41.07
